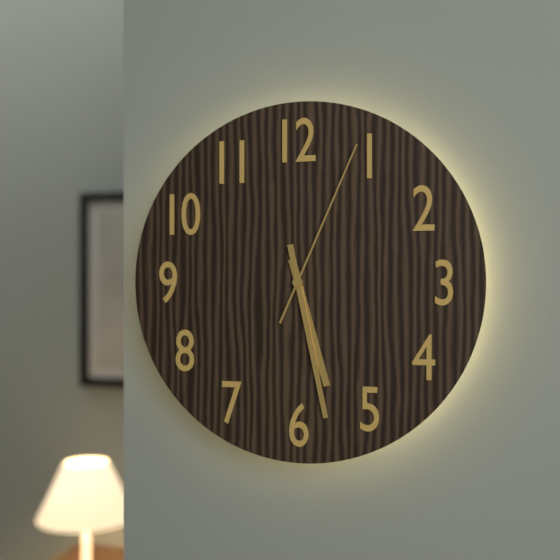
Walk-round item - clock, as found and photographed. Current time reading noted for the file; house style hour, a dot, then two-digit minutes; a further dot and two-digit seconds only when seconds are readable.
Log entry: 5.28.04
